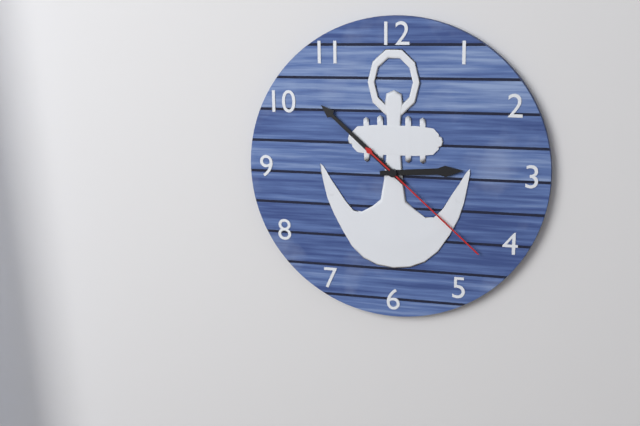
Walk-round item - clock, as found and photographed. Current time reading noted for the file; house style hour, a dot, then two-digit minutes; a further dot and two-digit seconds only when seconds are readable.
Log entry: 2.52.22
